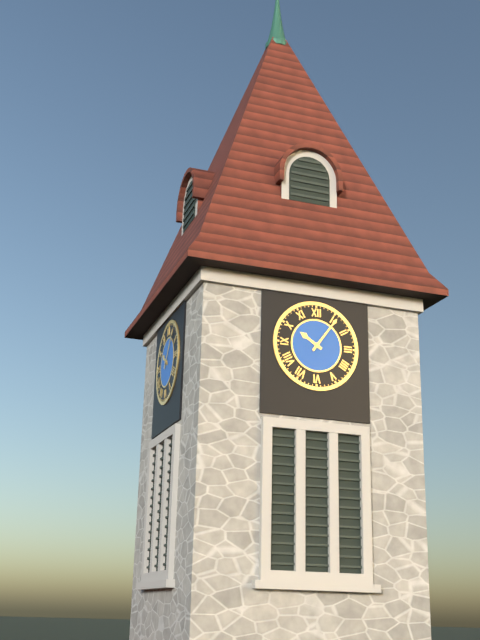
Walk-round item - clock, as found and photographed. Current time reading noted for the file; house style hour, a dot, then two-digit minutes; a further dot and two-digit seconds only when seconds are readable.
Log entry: 10.06
